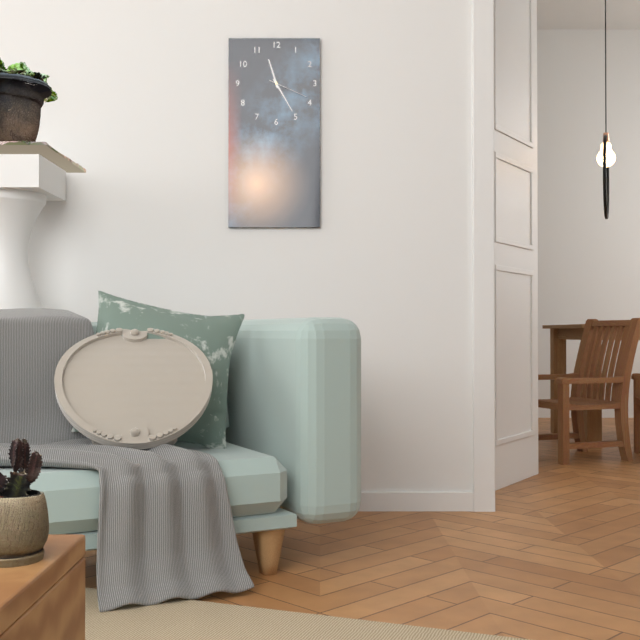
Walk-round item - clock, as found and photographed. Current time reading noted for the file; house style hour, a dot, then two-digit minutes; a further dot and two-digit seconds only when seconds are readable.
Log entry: 11.25
